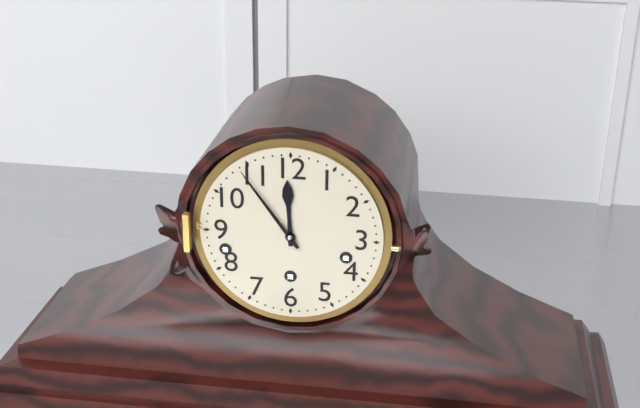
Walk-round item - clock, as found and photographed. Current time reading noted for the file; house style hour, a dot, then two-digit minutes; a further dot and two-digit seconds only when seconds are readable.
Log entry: 11.54
